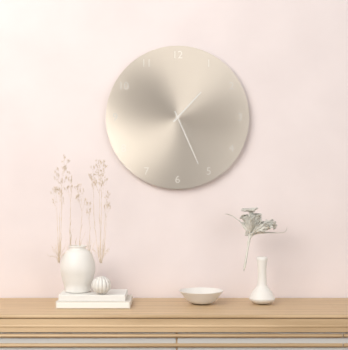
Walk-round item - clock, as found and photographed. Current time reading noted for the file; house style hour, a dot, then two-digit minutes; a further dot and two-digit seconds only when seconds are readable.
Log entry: 1.26
